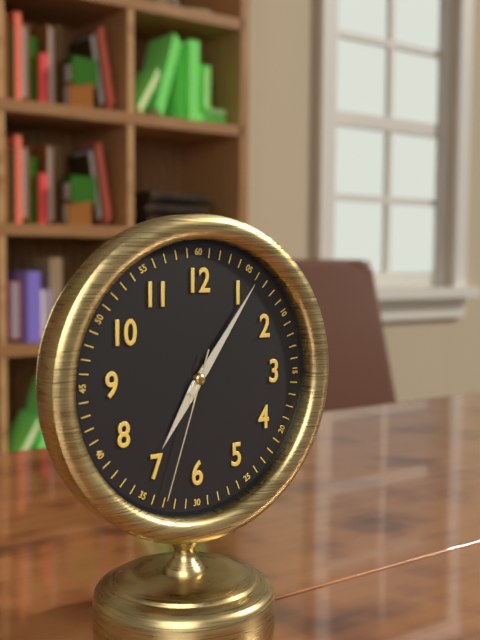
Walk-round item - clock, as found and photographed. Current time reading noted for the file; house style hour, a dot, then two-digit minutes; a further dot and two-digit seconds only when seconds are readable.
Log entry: 7.06.33
